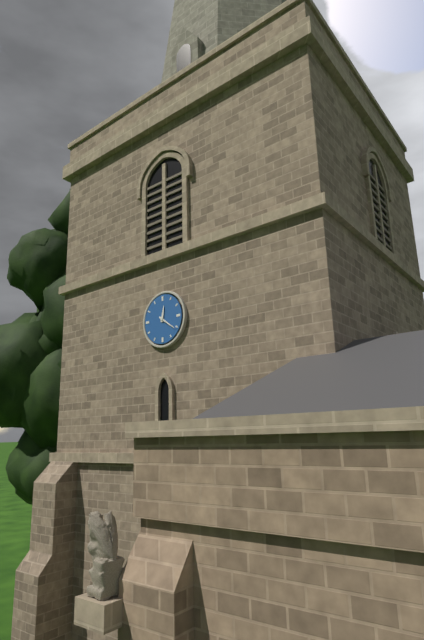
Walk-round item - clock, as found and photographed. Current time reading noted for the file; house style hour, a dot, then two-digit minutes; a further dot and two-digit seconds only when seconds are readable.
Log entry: 12.21
